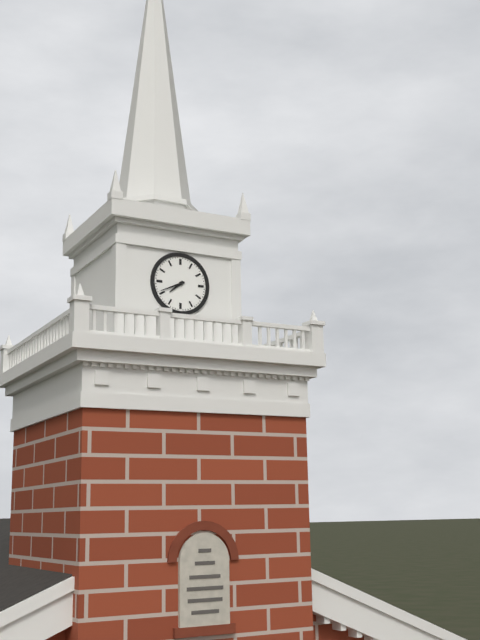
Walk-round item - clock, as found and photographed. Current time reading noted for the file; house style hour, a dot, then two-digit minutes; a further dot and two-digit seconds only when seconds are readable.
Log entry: 7.41
